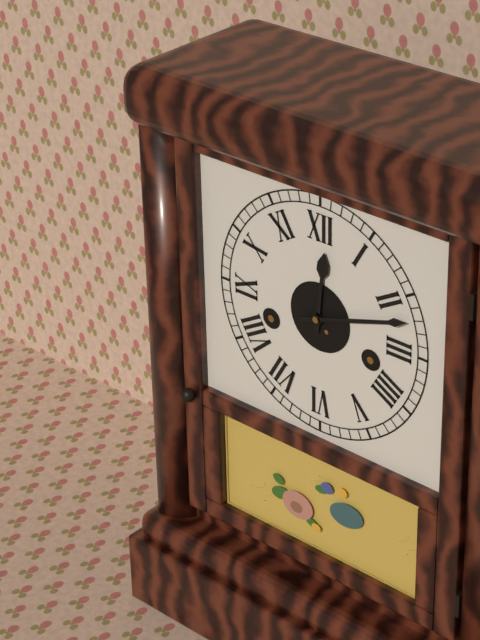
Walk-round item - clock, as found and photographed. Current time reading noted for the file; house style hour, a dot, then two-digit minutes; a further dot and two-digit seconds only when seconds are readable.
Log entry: 12.12
